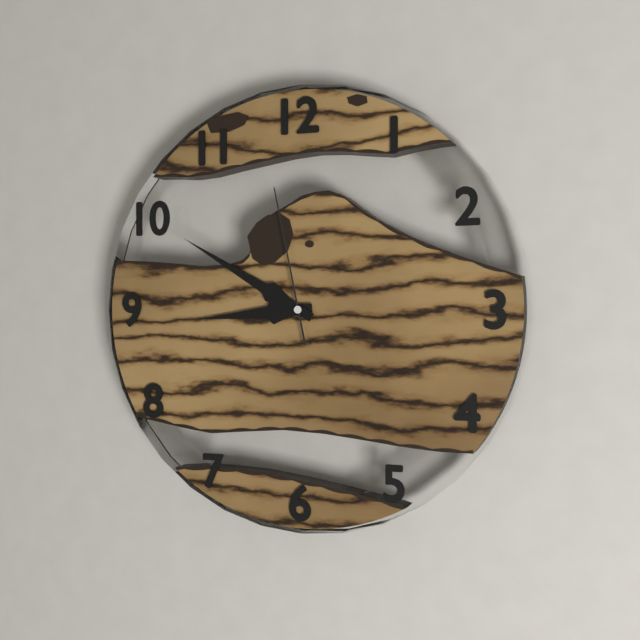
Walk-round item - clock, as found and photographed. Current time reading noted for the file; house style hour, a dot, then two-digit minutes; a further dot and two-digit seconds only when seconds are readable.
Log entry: 8.50.58
